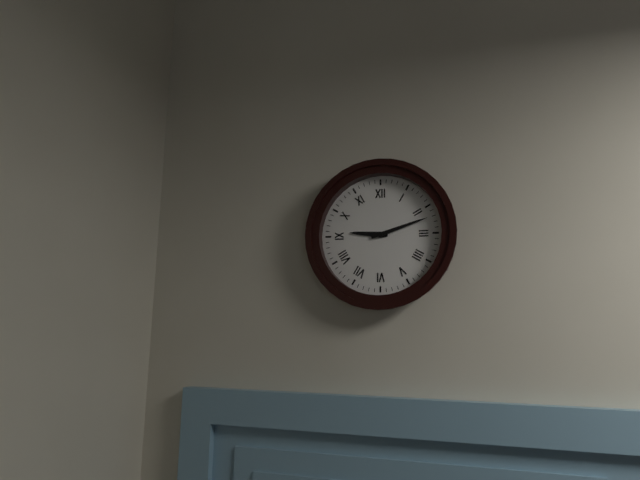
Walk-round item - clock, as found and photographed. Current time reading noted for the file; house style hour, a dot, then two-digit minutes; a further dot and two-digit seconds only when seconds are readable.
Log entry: 9.12
